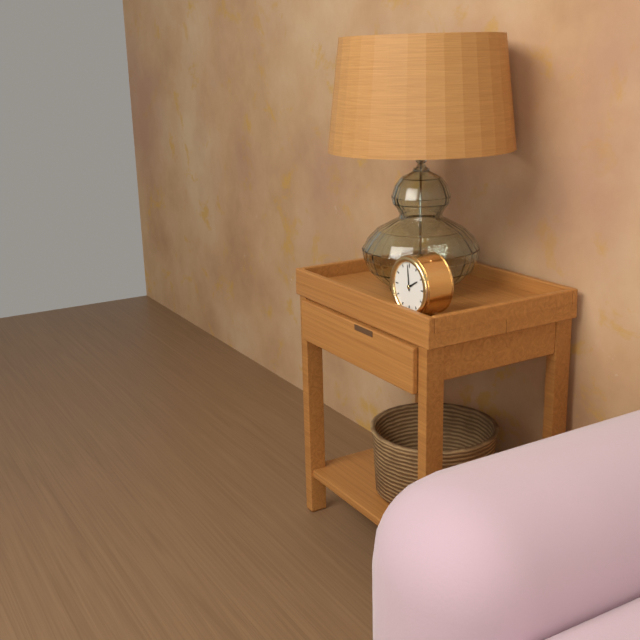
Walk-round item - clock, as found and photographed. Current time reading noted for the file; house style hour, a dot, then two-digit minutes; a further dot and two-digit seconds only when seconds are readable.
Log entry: 1.59
